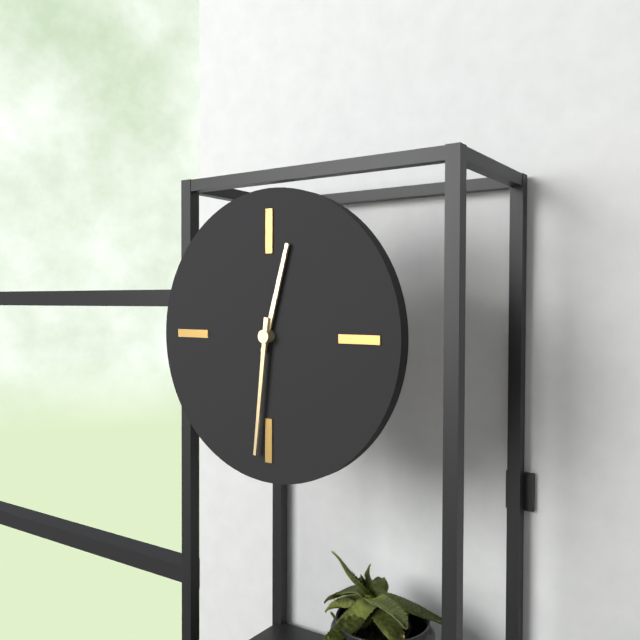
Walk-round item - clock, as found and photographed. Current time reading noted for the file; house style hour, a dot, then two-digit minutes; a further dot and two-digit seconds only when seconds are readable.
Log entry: 12.31
